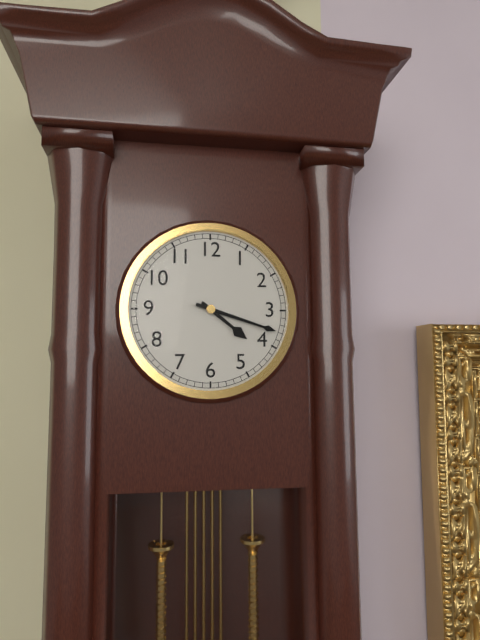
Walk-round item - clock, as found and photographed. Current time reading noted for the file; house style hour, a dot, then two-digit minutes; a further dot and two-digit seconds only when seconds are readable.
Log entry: 4.18
